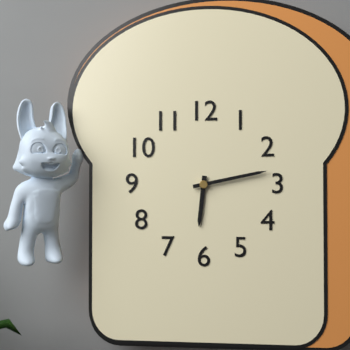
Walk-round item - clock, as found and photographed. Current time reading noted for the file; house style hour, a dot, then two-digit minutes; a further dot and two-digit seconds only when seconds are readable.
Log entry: 6.13
